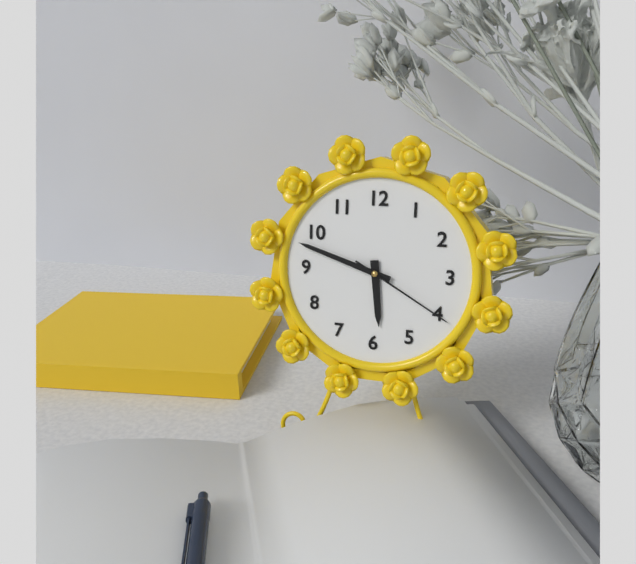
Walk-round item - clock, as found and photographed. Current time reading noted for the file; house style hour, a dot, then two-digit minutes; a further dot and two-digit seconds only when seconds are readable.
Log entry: 5.48.20
